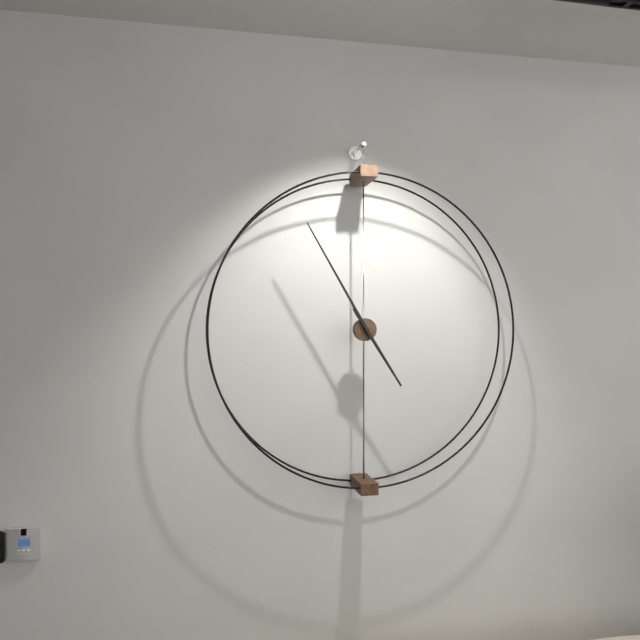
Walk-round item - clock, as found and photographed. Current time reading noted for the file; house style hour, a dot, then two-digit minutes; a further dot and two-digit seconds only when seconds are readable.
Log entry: 4.55
